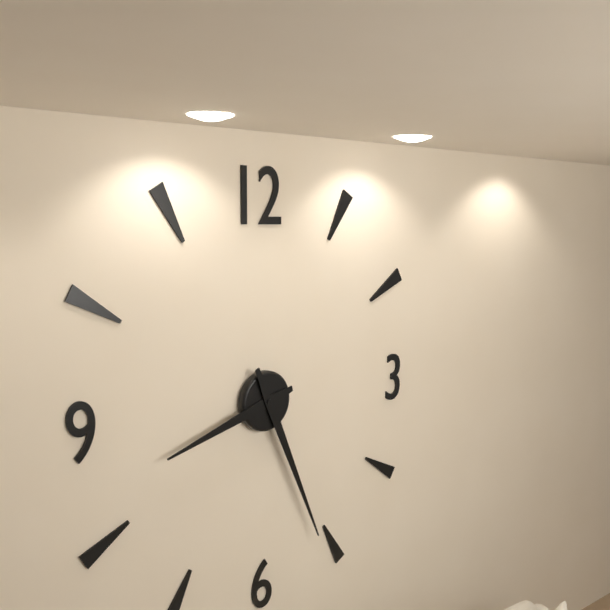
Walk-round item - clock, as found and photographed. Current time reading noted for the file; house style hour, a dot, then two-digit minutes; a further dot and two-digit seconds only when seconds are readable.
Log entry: 8.26
